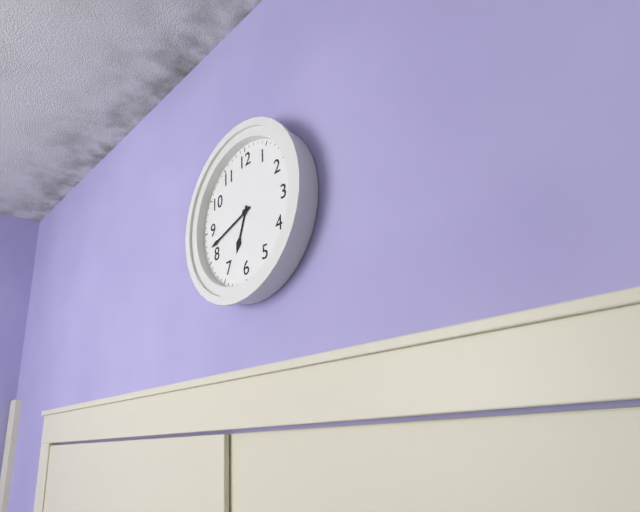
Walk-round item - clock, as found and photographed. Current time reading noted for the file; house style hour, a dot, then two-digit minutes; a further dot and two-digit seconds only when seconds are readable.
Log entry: 6.42
